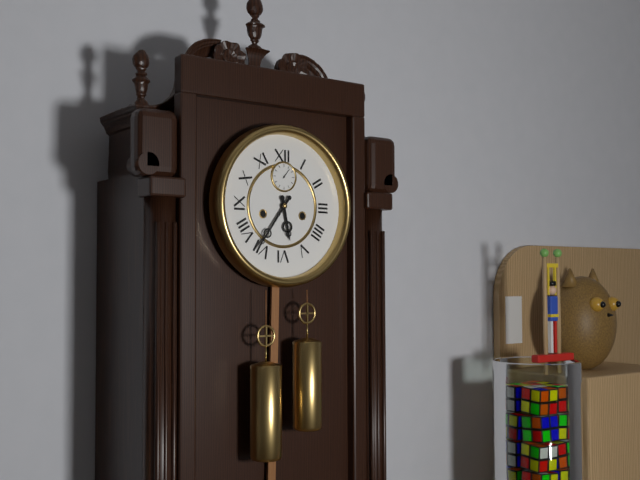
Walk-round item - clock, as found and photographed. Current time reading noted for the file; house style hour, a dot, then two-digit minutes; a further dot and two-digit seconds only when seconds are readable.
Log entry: 5.36
